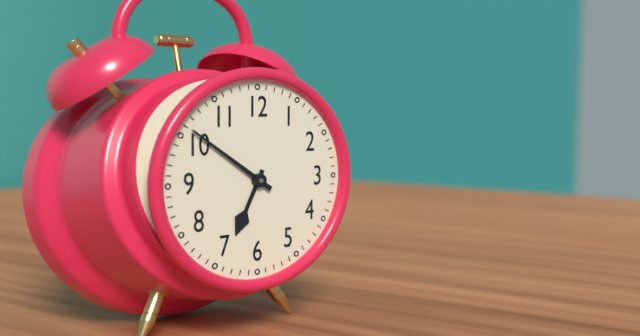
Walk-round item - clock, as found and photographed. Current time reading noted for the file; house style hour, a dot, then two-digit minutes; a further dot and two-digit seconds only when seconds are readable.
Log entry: 6.51
